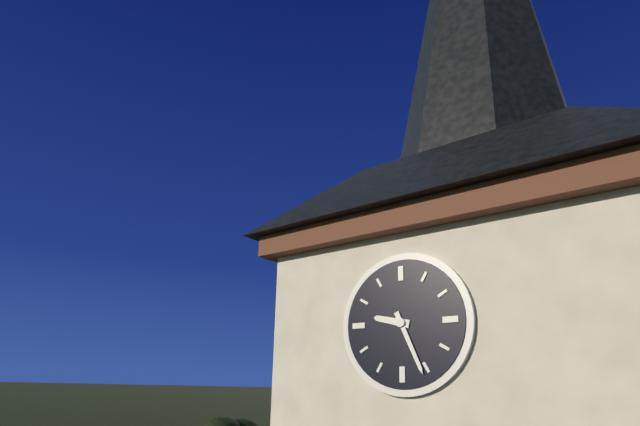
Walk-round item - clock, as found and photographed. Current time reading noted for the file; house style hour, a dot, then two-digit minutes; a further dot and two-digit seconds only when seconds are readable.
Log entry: 9.26
